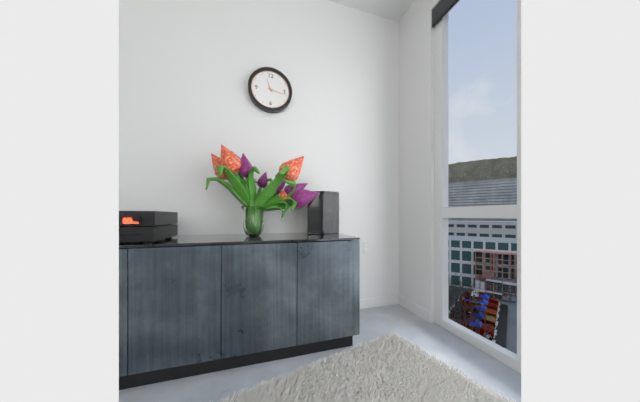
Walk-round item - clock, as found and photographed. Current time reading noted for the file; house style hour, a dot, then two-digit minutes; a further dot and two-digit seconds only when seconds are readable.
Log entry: 11.17
